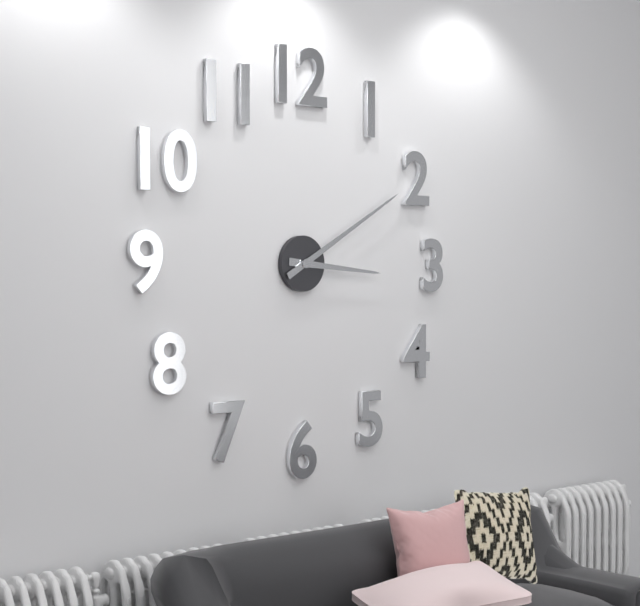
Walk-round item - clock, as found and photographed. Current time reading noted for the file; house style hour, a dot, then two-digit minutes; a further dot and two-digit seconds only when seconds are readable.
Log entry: 3.10
